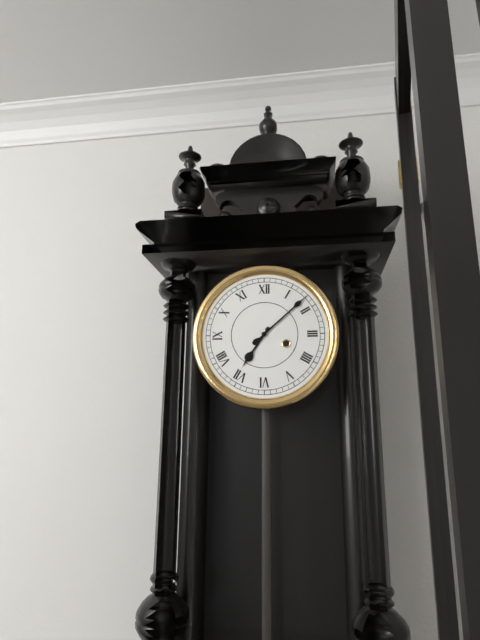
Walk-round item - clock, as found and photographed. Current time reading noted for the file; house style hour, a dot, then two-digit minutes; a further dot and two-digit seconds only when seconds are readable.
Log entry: 7.08
